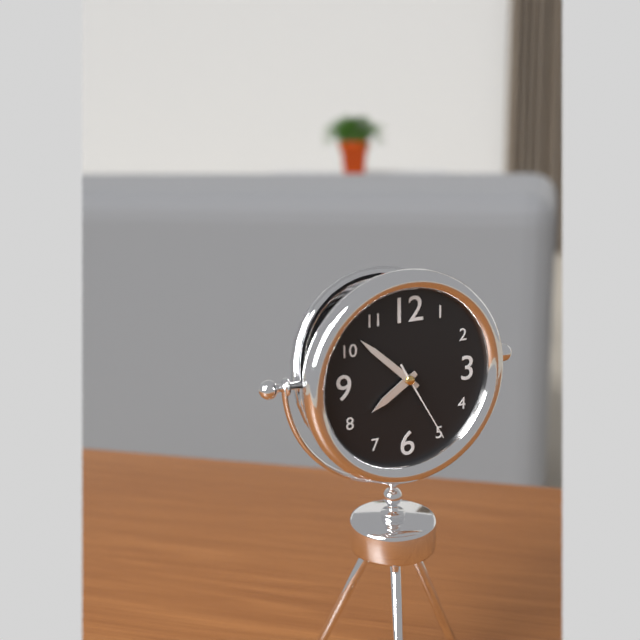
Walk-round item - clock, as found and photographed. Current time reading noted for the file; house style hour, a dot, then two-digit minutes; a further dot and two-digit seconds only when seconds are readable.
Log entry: 7.52.25
